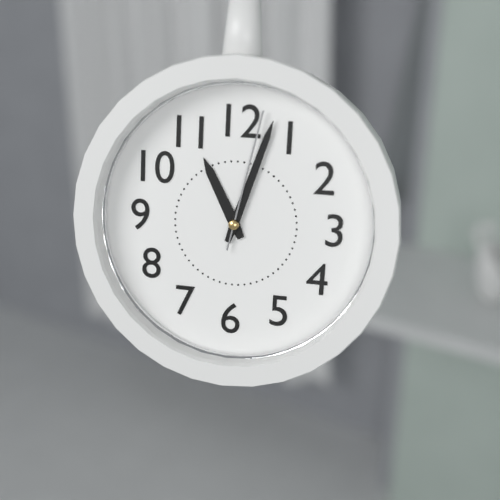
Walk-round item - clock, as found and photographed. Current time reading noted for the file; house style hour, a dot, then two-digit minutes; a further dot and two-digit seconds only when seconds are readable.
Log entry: 11.03.02
